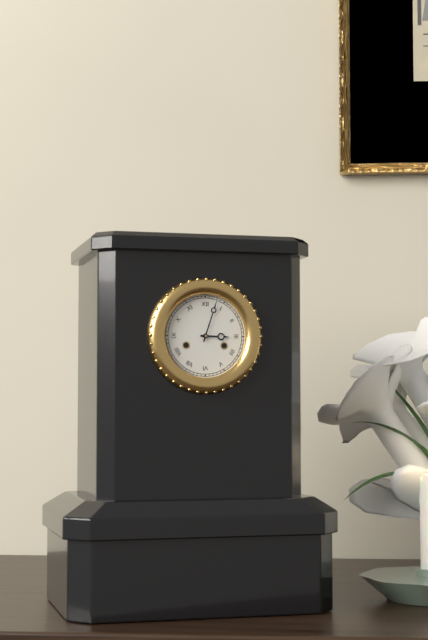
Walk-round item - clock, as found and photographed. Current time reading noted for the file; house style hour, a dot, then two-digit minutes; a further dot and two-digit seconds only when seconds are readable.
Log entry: 3.03
